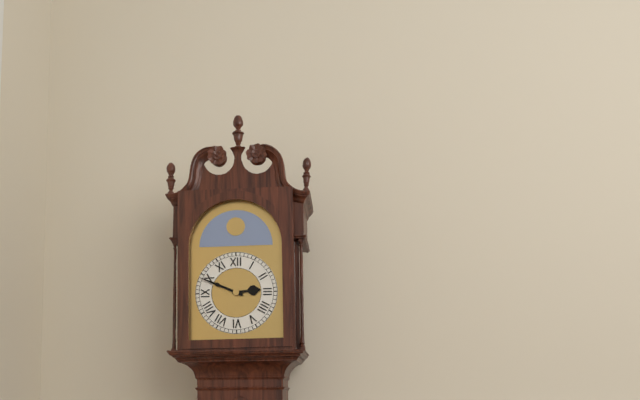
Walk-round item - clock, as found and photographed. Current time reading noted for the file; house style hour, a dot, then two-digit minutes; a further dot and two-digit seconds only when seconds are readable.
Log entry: 2.49
